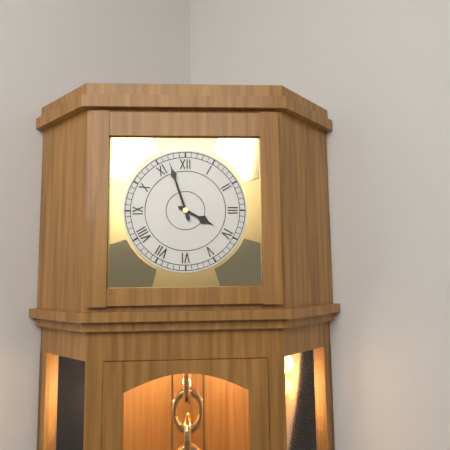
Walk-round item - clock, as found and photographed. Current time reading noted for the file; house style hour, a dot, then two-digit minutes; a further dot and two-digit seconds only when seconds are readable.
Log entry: 3.57
